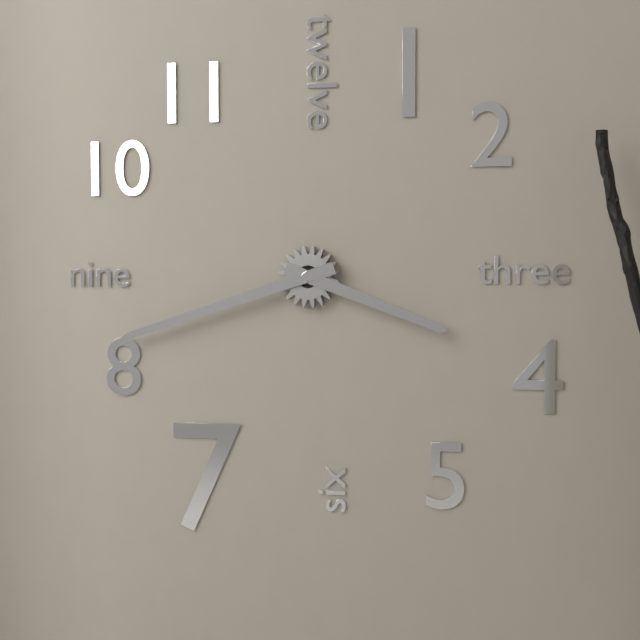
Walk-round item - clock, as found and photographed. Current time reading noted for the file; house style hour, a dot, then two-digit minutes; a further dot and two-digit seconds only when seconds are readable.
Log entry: 3.42
